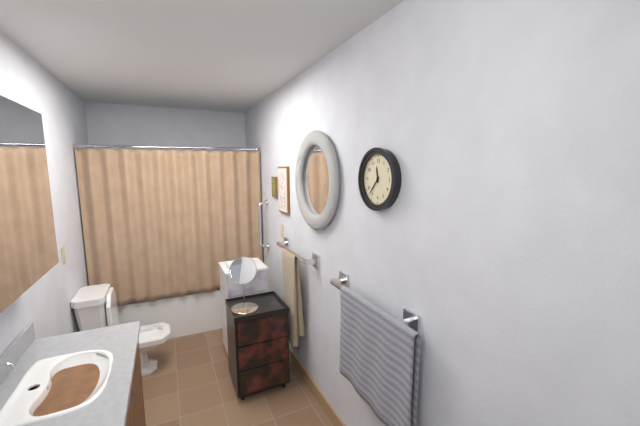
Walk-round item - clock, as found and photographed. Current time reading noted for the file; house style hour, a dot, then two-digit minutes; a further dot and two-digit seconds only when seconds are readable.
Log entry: 11.37
